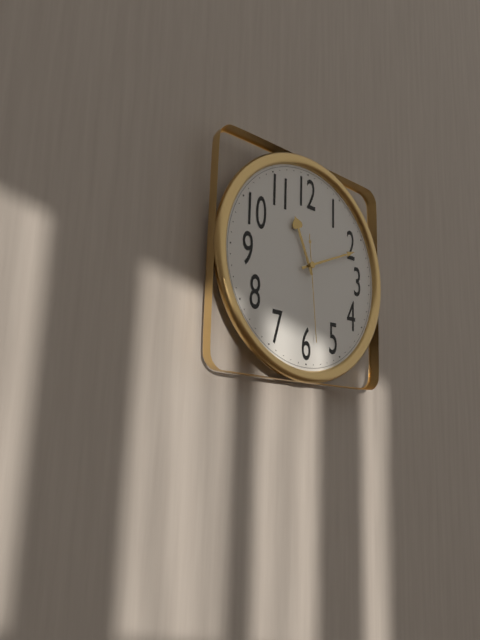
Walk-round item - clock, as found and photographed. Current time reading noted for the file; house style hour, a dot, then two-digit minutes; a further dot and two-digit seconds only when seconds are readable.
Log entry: 11.11.29
